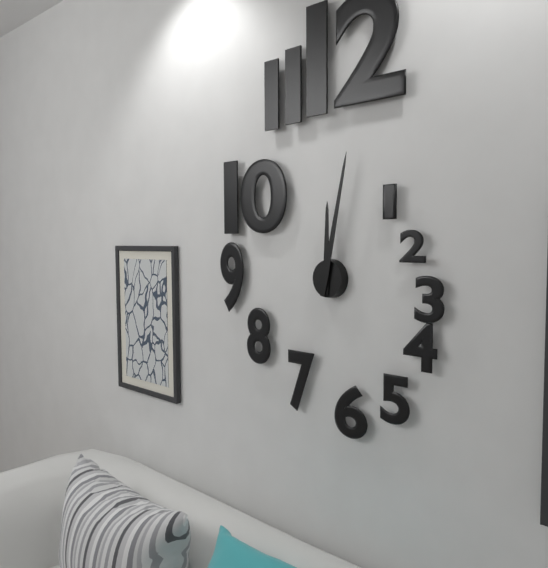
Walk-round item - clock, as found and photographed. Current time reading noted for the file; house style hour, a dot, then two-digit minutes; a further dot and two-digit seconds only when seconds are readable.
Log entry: 12.02
